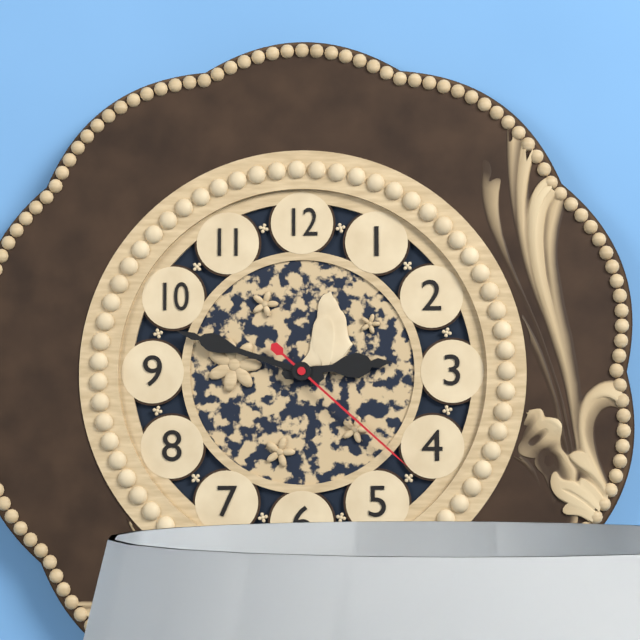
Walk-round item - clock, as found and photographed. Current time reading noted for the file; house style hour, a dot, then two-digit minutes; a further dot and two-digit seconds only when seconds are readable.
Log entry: 2.48.22
